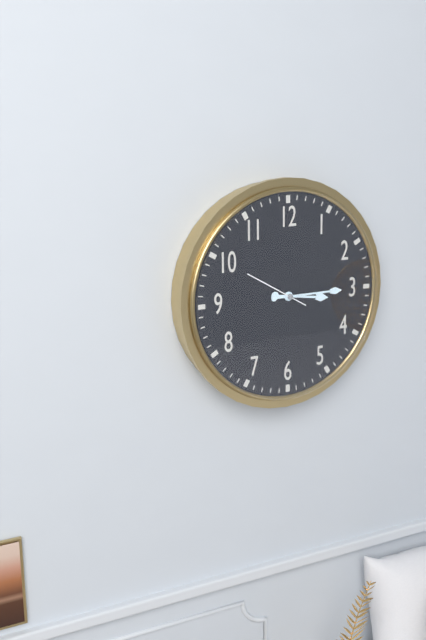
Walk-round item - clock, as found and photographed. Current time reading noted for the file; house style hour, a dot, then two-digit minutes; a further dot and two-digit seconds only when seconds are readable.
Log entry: 3.15.50
